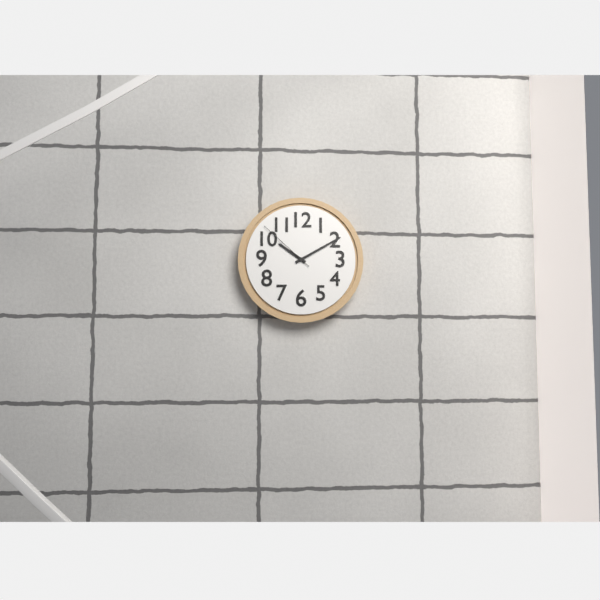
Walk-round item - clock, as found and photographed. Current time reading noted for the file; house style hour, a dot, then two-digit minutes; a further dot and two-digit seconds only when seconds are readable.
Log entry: 10.10.52
